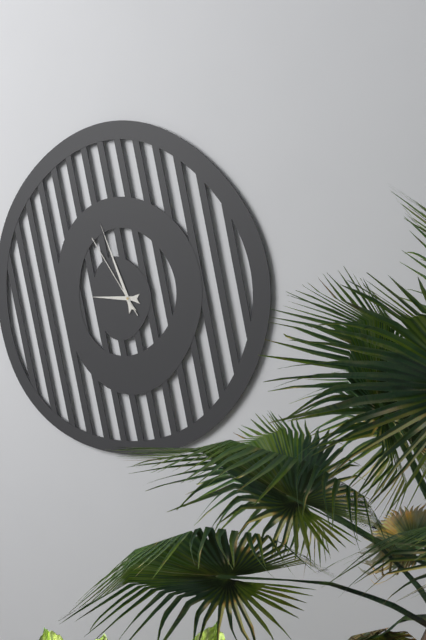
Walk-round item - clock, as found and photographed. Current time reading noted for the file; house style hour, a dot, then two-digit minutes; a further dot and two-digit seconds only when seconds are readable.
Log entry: 8.56.54
